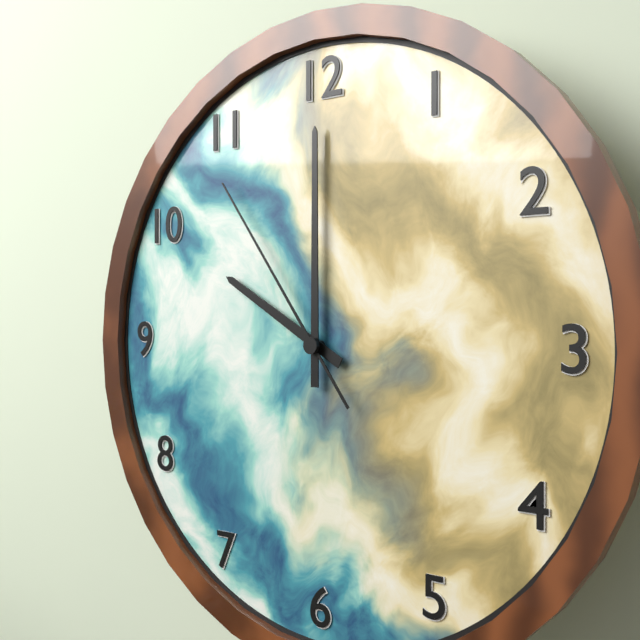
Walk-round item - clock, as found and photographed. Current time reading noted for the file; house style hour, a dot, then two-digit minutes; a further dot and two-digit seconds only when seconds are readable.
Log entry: 10.00.54
